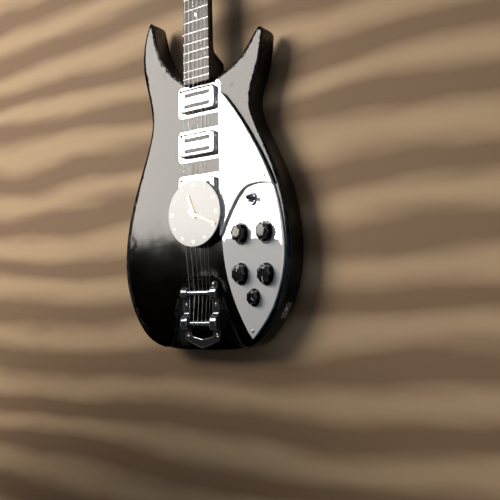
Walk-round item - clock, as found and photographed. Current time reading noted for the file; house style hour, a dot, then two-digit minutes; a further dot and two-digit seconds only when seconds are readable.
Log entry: 11.19
